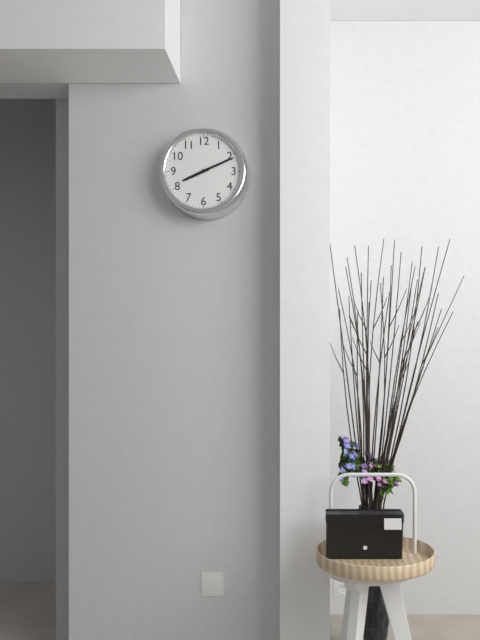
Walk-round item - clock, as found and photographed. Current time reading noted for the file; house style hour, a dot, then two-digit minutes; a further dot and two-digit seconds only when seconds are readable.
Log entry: 8.11
